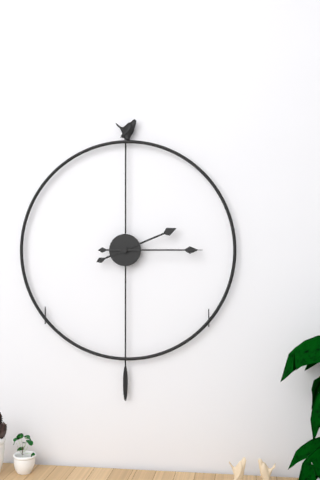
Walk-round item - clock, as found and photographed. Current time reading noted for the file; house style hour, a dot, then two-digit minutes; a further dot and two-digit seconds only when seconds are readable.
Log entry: 2.15.15
